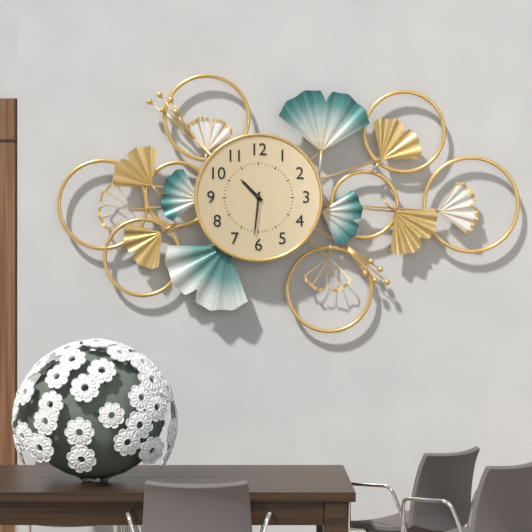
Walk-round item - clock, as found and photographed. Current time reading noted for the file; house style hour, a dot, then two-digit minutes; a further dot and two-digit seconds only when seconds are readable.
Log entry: 10.31
